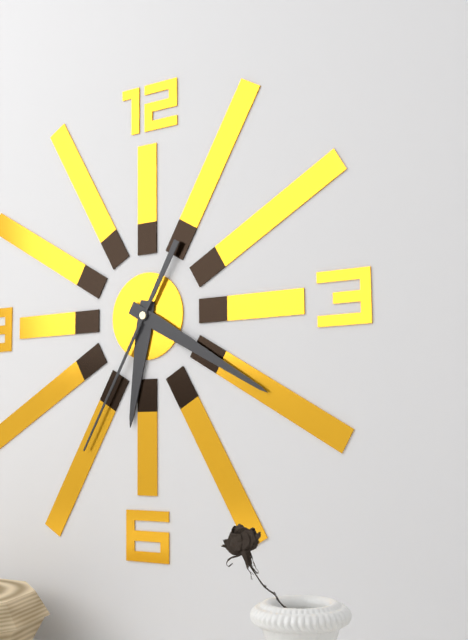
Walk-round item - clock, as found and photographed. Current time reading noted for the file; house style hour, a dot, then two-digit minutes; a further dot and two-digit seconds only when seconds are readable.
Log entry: 6.20.35
